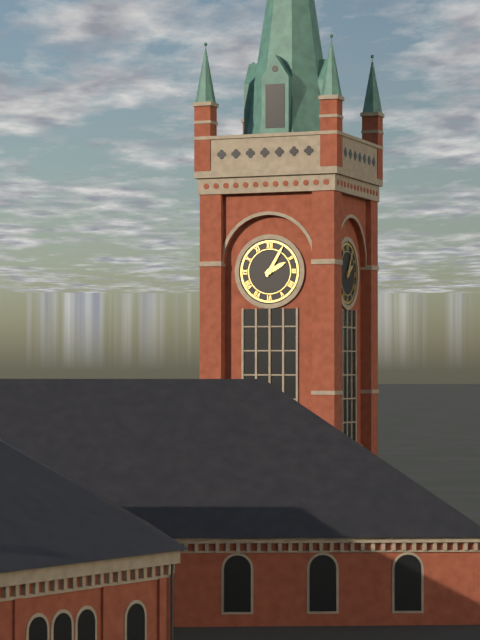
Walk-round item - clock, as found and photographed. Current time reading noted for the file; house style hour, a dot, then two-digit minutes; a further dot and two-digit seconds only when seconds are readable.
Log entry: 2.05
